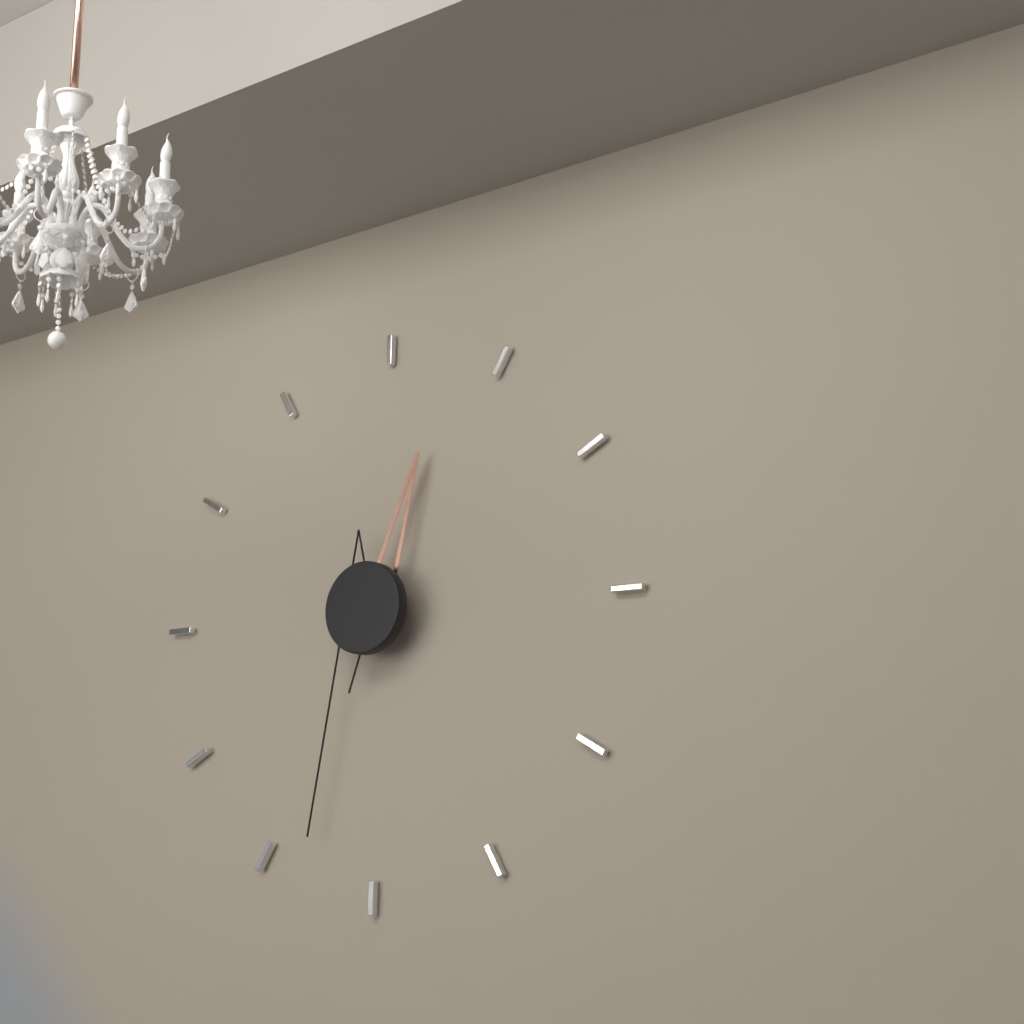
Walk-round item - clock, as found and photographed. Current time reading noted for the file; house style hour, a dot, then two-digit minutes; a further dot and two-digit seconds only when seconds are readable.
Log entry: 12.33
